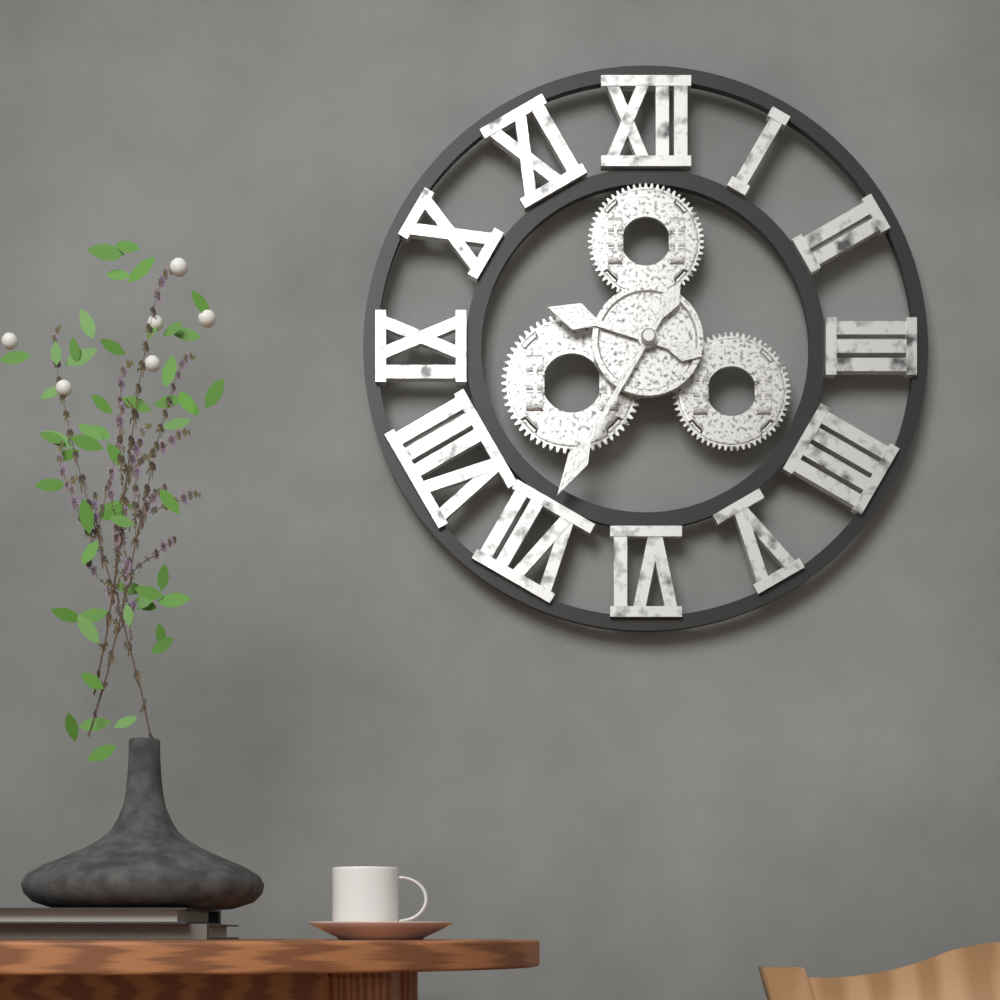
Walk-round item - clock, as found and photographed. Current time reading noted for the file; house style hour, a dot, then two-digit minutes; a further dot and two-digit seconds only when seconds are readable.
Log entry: 9.35
